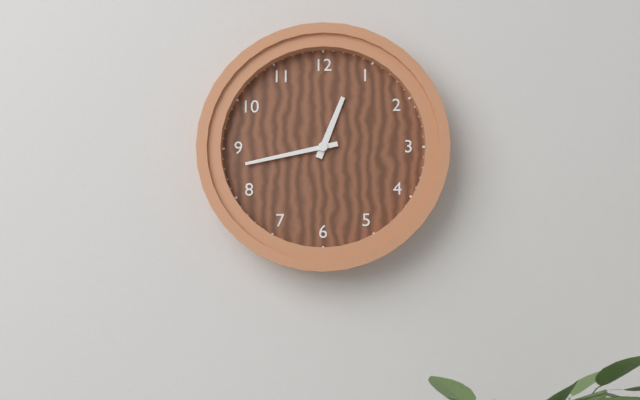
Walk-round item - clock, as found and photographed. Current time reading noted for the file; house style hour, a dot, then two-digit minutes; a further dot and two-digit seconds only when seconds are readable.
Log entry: 12.43
